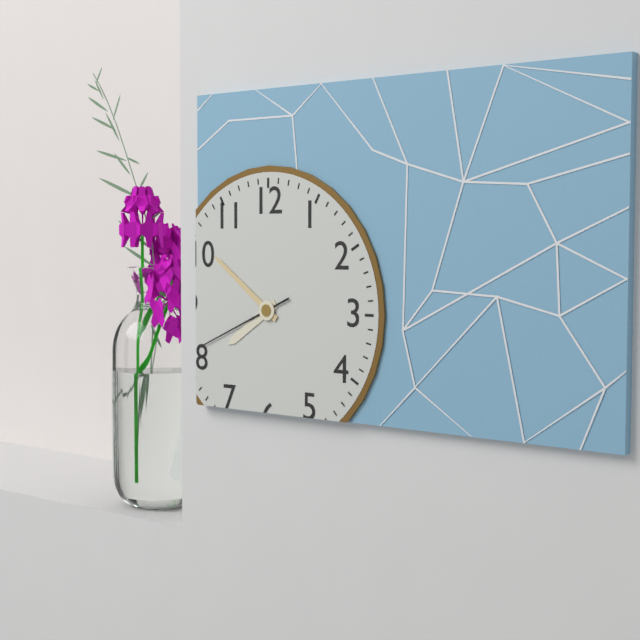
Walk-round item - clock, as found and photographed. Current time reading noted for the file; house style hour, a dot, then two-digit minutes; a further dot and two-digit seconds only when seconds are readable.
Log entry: 7.51.41
